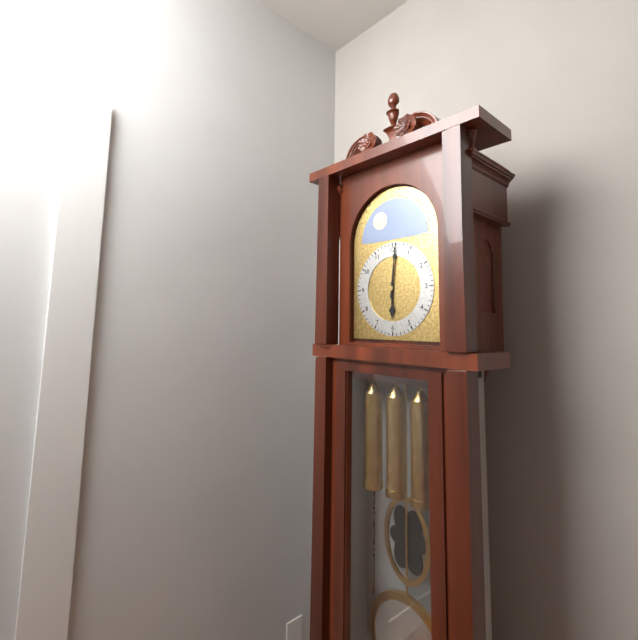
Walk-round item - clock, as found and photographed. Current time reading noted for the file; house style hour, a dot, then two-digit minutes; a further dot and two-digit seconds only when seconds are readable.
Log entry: 6.01
